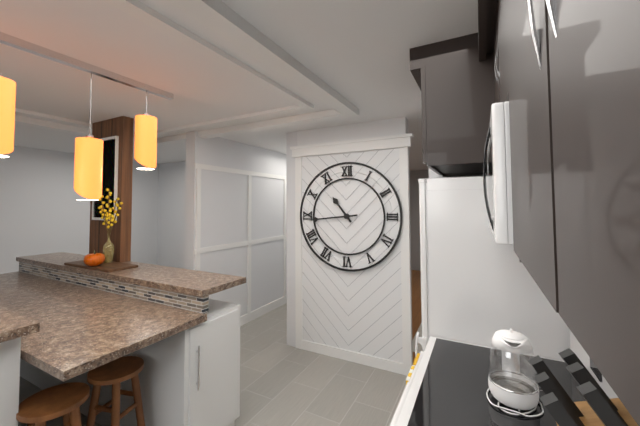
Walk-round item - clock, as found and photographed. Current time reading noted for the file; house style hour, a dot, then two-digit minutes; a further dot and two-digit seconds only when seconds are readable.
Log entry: 10.44
